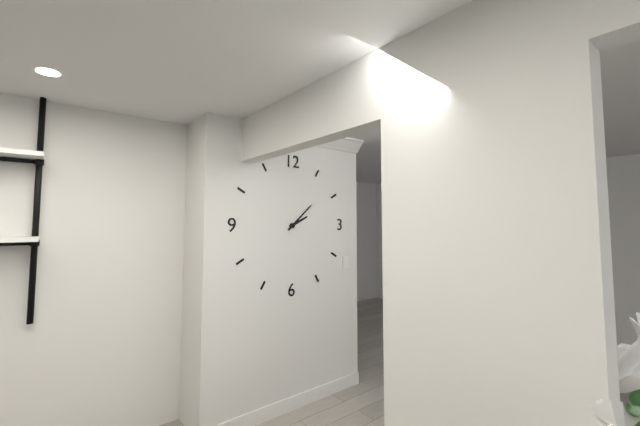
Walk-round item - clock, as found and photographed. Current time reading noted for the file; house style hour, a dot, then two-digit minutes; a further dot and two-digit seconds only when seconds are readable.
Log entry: 2.08
